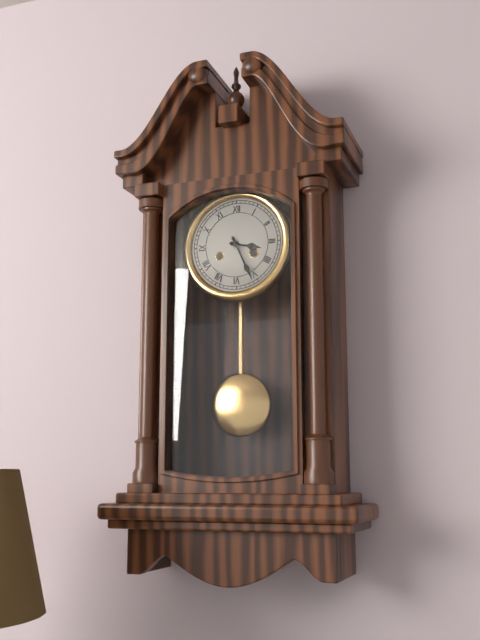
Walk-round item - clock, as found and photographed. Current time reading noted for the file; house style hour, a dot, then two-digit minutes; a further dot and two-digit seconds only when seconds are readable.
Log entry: 3.26
